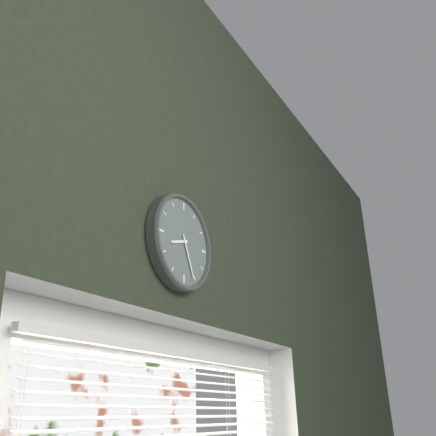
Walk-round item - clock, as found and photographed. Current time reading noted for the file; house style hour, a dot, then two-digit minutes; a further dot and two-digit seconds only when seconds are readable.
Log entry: 8.26
